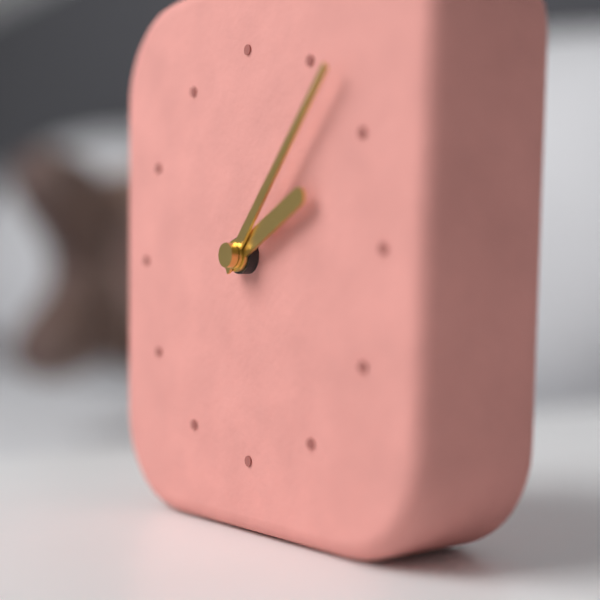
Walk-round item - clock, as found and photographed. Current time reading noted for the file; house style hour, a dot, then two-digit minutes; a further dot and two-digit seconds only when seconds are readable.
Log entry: 2.07
